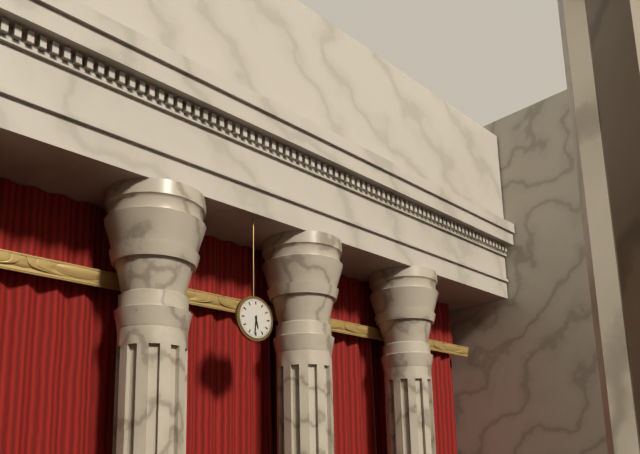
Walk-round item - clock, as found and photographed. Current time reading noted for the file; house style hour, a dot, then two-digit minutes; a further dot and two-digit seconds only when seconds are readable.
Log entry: 5.31
